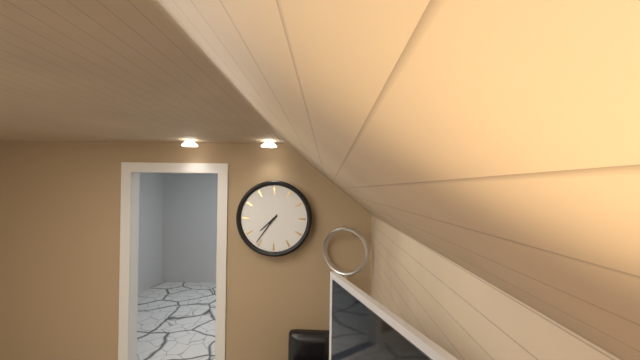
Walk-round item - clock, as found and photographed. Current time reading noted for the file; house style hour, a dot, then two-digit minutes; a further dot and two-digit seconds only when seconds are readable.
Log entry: 7.36
